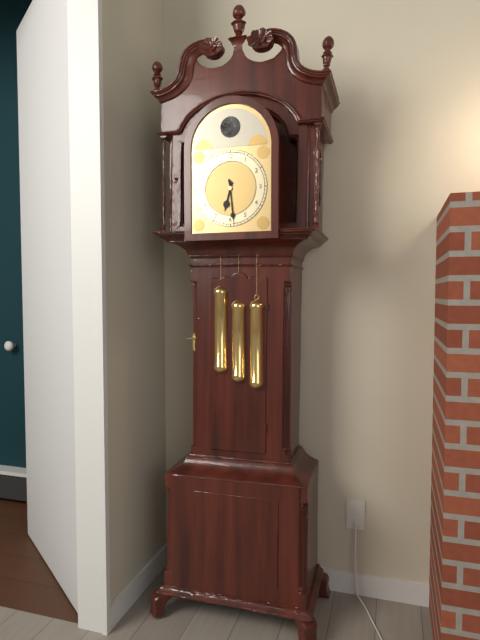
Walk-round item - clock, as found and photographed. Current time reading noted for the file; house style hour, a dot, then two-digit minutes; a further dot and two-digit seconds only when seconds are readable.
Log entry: 6.29
